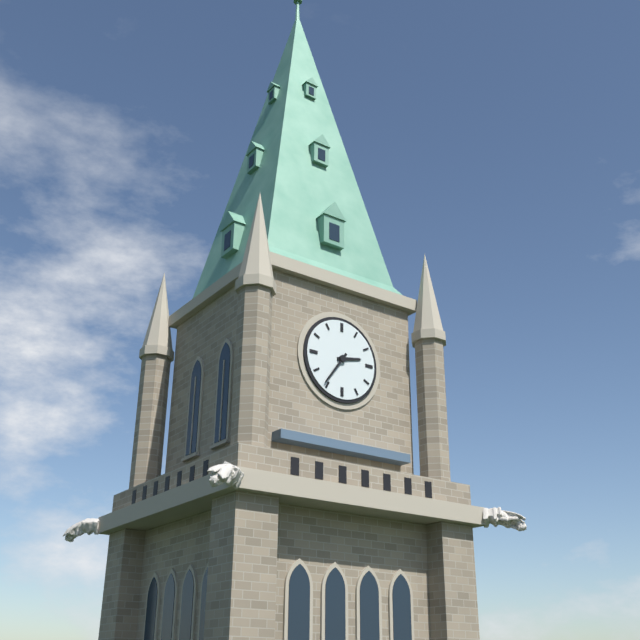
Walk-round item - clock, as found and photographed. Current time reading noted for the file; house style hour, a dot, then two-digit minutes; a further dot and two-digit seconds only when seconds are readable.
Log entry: 2.36
